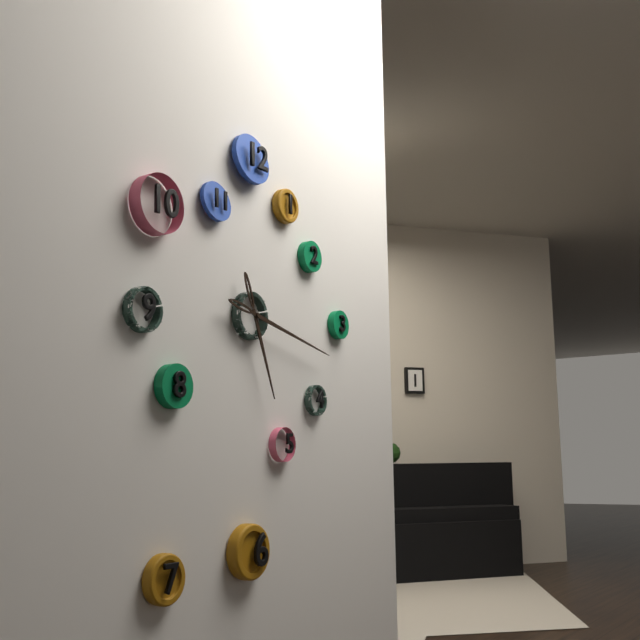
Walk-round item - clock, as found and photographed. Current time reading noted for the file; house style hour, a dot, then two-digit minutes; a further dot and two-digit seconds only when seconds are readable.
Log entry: 5.17
